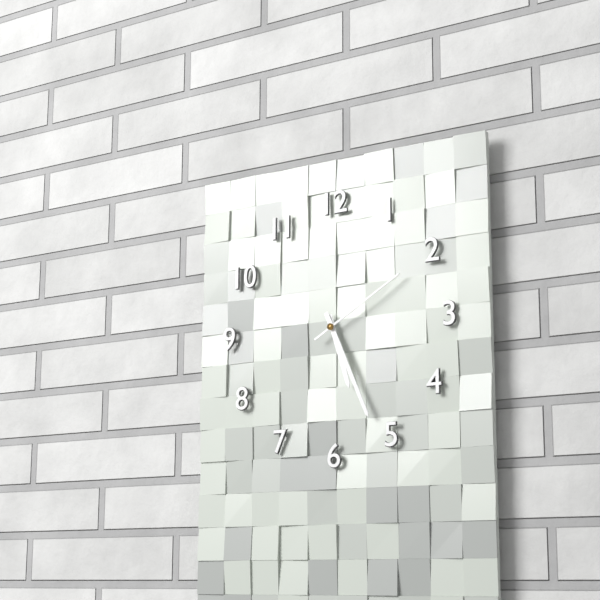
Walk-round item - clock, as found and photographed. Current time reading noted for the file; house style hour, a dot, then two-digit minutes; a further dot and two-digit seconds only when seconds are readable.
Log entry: 5.26.10
